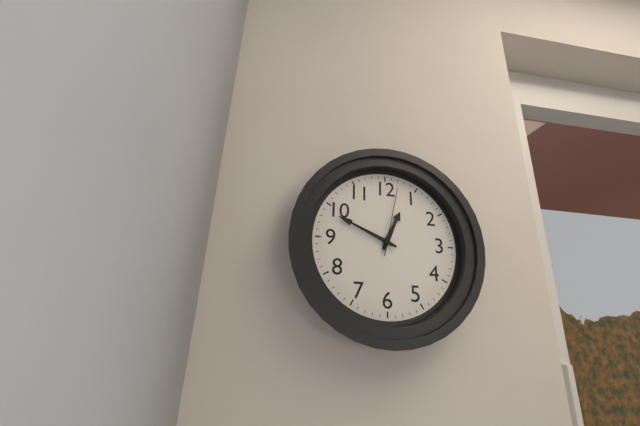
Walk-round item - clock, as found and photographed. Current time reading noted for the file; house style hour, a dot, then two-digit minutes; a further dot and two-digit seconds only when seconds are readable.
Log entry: 12.49.02
